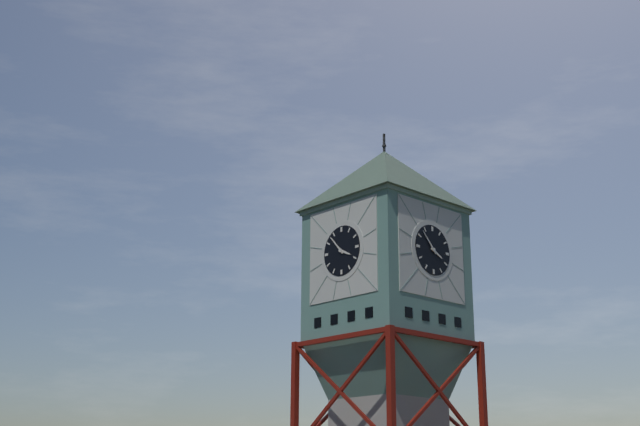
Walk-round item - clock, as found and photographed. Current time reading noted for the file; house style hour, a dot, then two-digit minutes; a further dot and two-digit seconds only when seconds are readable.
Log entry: 3.53
